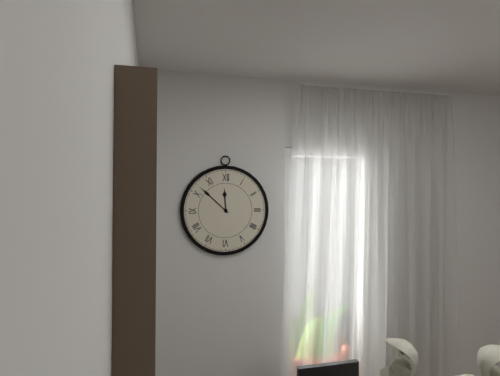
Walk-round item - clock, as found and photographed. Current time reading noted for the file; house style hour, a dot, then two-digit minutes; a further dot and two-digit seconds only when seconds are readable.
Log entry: 11.52
